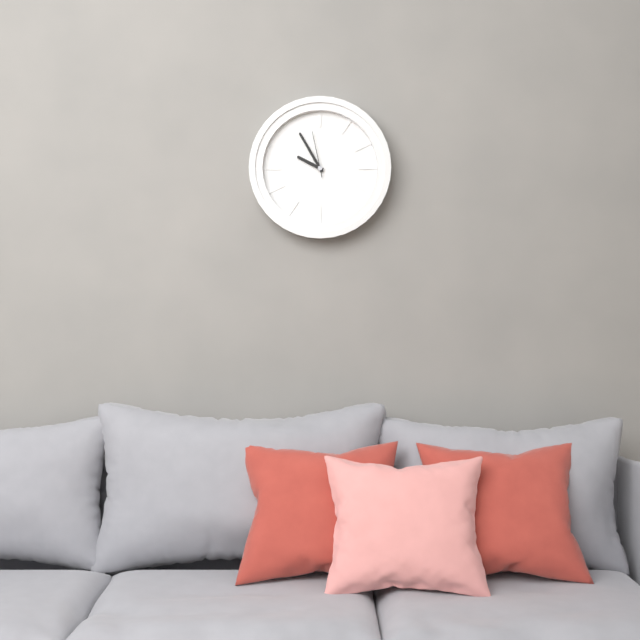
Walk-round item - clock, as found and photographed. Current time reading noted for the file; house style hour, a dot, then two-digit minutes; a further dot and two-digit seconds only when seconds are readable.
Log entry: 9.55
